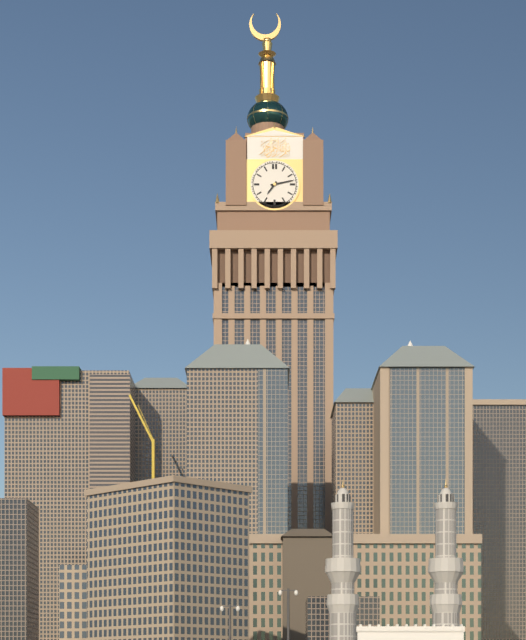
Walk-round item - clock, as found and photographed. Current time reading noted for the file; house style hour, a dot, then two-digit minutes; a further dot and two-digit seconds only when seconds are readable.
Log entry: 7.13
